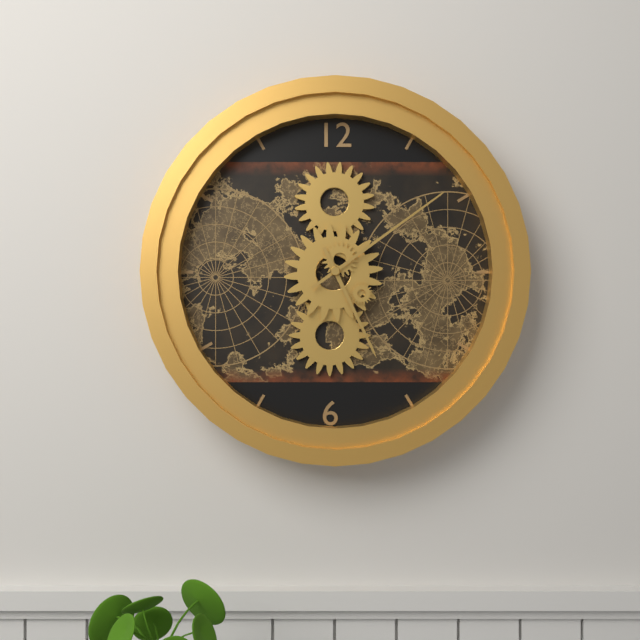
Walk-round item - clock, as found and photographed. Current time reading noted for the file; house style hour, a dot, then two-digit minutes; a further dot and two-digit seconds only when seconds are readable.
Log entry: 5.09
